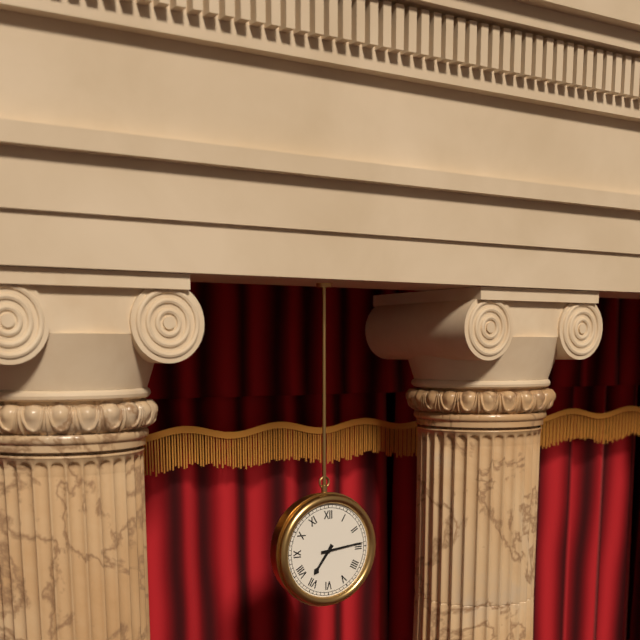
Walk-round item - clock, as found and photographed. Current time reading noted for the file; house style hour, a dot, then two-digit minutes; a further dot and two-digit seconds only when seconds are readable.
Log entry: 7.14
